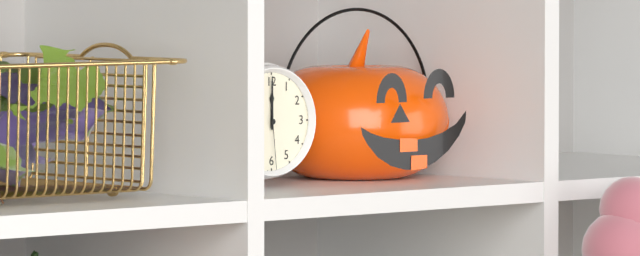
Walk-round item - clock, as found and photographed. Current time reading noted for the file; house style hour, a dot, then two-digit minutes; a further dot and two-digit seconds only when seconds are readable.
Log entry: 12.00.29
